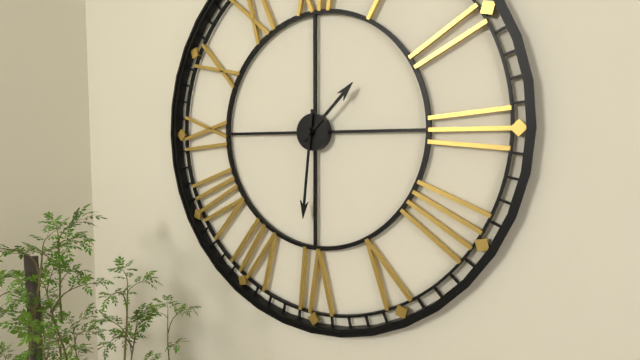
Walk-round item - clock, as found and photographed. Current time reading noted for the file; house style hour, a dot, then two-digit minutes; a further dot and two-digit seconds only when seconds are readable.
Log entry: 1.31
